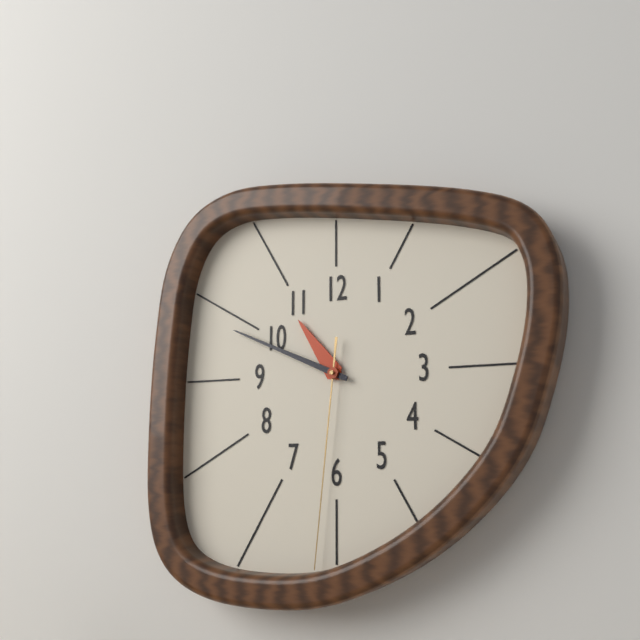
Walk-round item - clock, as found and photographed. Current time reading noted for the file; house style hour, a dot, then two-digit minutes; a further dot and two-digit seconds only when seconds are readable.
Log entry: 10.49.31
